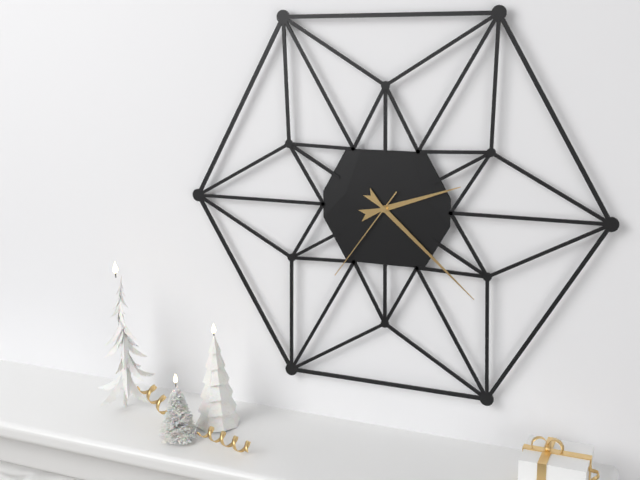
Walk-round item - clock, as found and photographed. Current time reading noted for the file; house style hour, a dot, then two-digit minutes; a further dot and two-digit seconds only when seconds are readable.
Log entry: 2.22.36
